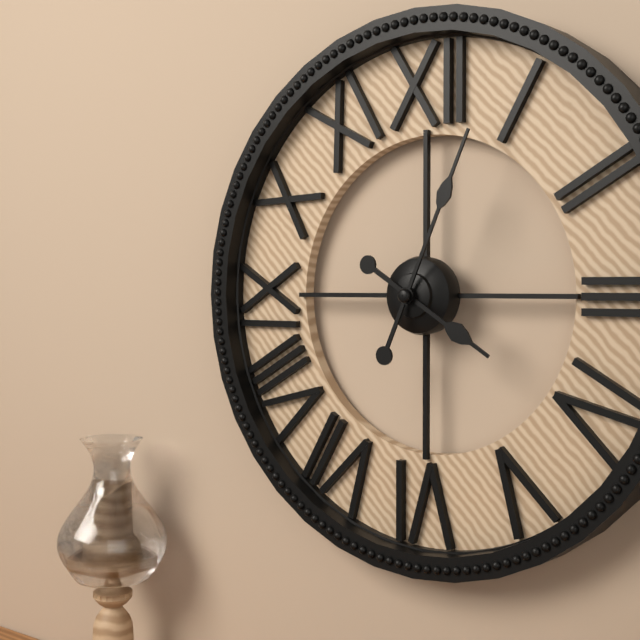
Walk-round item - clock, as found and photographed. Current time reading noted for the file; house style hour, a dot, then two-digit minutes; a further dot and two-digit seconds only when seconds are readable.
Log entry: 4.04
